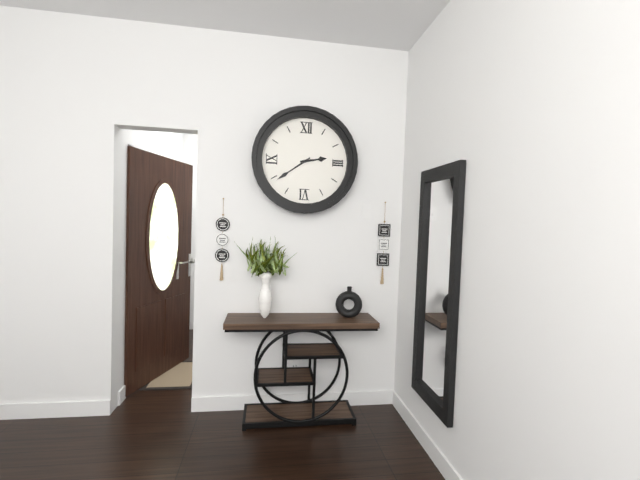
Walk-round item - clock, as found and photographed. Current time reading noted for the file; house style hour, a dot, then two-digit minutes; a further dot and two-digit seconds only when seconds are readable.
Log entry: 2.39
